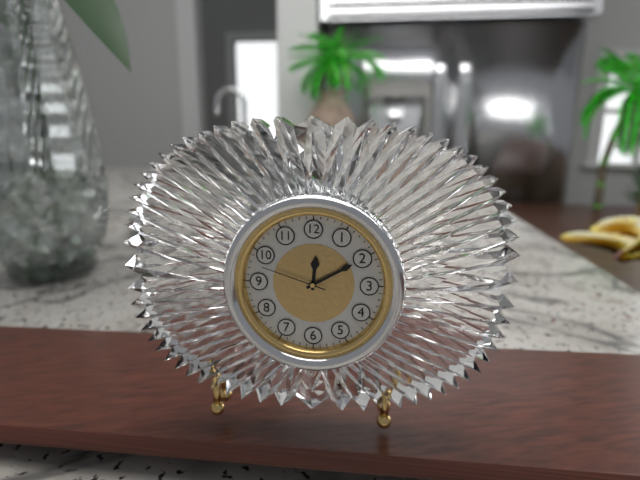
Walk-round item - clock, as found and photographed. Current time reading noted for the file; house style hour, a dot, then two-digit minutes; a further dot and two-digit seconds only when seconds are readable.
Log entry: 12.10.48
